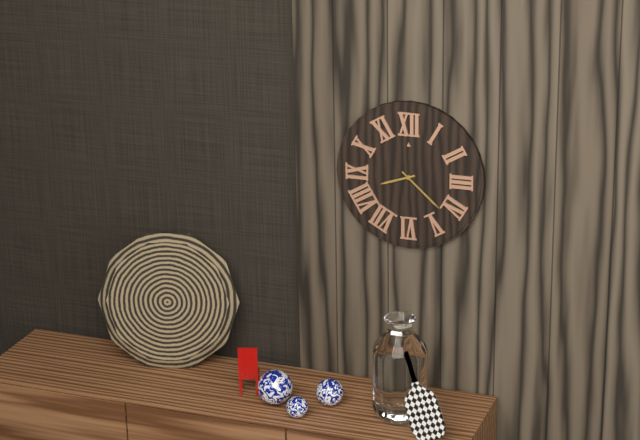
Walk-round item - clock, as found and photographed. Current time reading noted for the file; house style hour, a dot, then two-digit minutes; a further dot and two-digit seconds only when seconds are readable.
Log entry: 8.22
